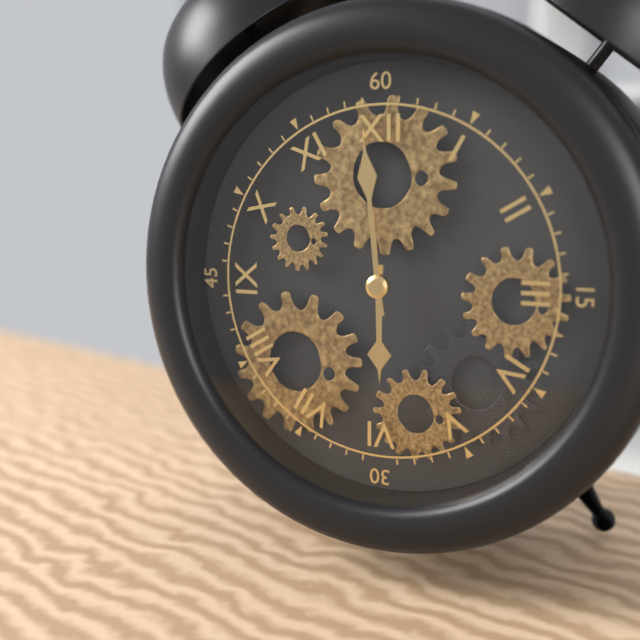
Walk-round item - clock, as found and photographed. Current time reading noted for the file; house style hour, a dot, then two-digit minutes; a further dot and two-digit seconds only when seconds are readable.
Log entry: 5.59
